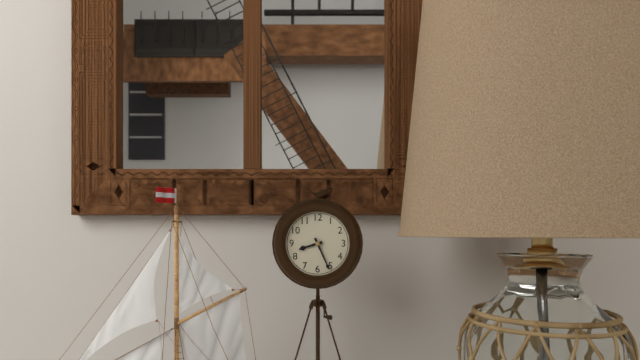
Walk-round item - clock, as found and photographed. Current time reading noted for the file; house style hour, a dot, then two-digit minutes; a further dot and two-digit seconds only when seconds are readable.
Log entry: 8.26
